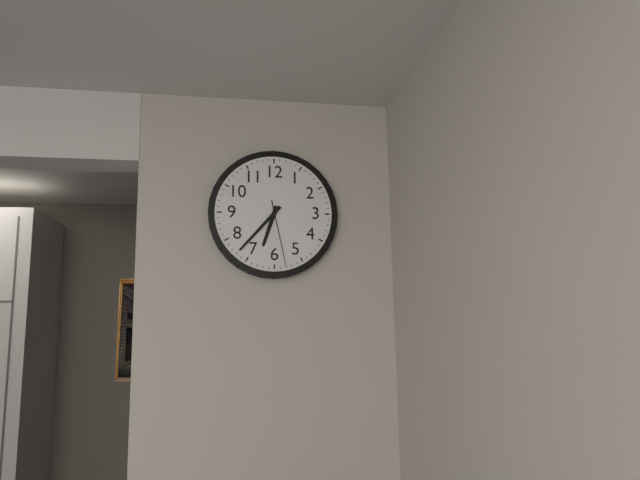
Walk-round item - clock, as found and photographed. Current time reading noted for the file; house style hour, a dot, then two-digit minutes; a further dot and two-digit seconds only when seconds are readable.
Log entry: 6.37.28
